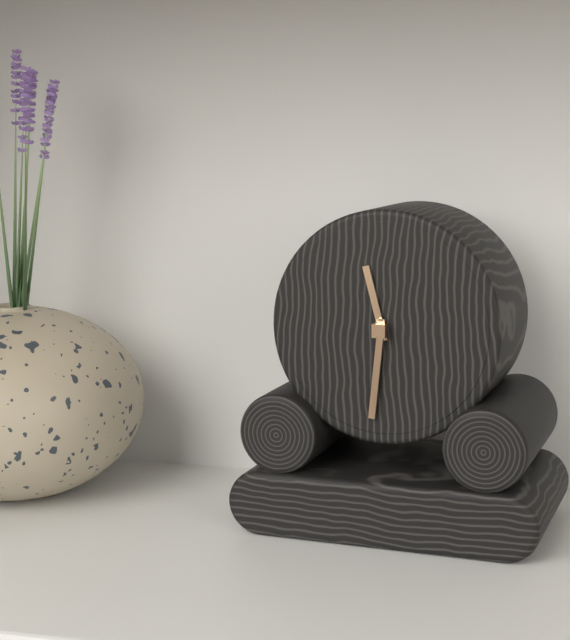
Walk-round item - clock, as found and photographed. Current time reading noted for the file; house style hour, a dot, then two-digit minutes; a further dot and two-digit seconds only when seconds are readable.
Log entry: 11.31
